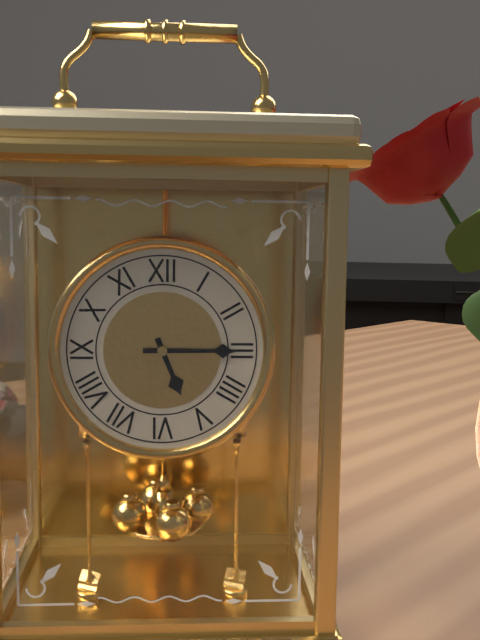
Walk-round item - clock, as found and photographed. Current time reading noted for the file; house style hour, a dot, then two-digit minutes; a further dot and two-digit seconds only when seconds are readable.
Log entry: 5.15
